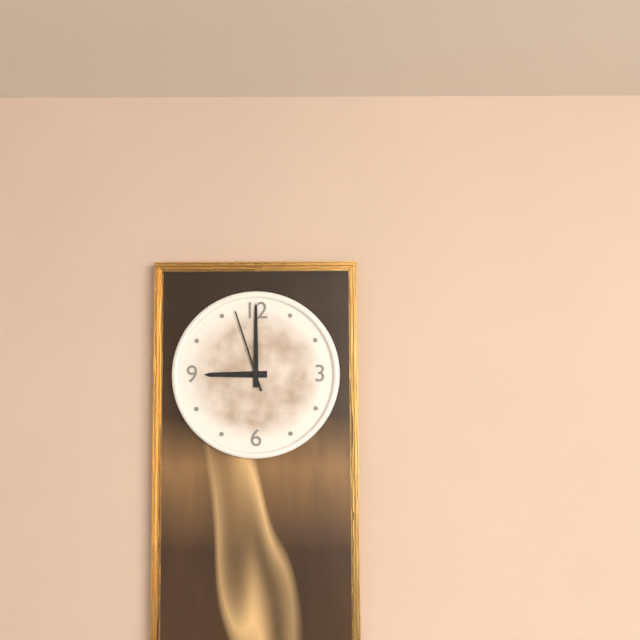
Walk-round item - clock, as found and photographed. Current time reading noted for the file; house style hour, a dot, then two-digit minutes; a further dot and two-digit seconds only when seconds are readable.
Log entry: 9.00.57
